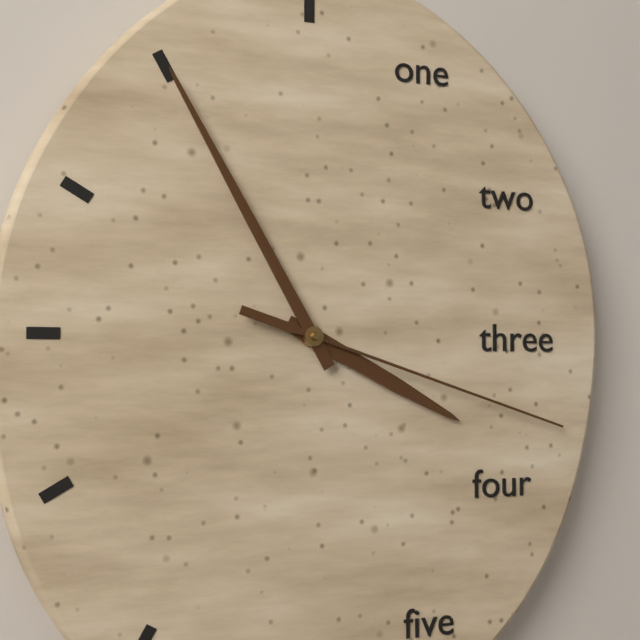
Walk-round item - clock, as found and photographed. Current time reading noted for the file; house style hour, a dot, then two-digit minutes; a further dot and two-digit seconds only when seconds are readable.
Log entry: 3.55.18
